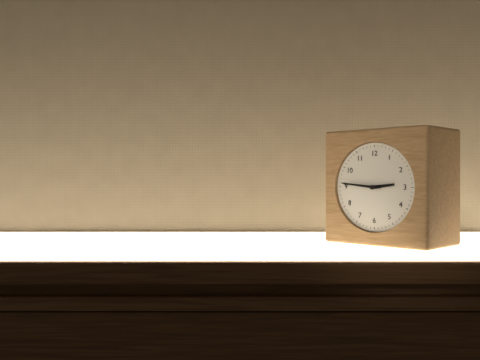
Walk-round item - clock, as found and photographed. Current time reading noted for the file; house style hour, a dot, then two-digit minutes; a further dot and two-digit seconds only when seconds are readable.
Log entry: 2.46
